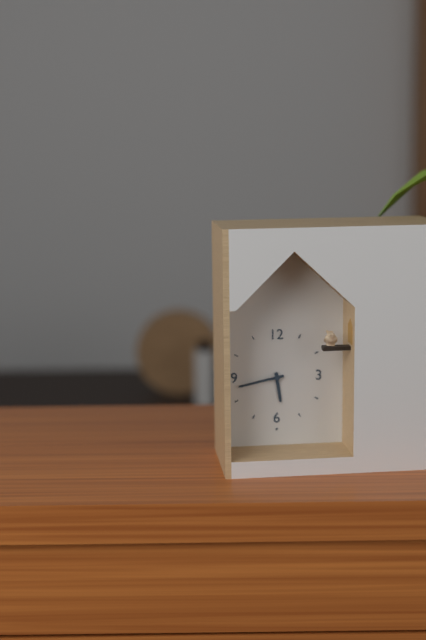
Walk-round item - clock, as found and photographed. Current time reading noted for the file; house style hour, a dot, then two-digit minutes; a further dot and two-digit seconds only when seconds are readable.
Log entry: 5.43
